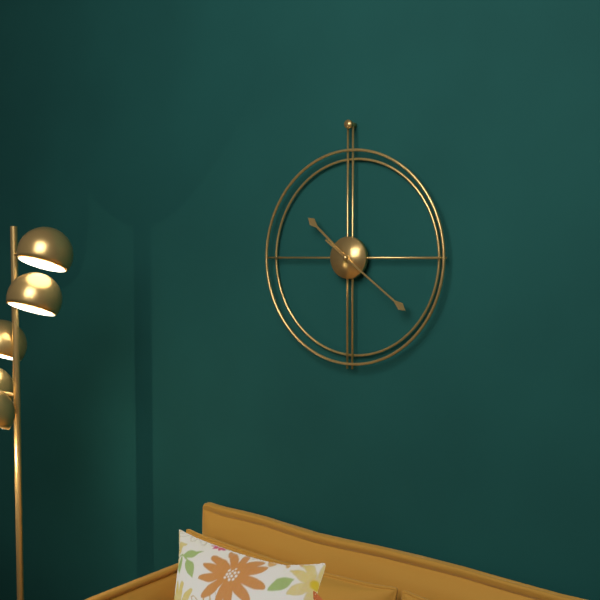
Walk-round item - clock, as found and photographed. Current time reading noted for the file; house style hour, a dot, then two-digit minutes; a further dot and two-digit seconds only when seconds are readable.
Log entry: 10.21
